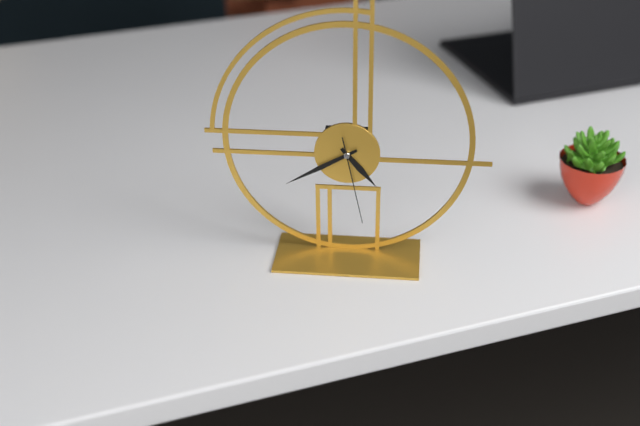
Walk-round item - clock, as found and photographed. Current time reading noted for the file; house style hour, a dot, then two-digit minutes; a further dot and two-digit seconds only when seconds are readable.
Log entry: 4.40.28
